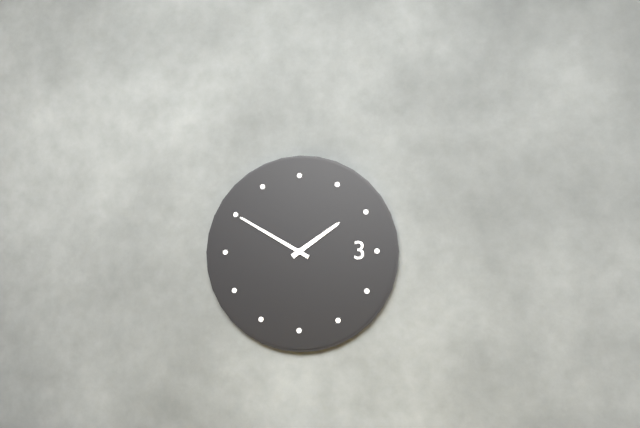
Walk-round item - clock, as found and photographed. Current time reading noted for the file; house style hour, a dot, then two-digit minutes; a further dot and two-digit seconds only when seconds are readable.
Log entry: 1.50
